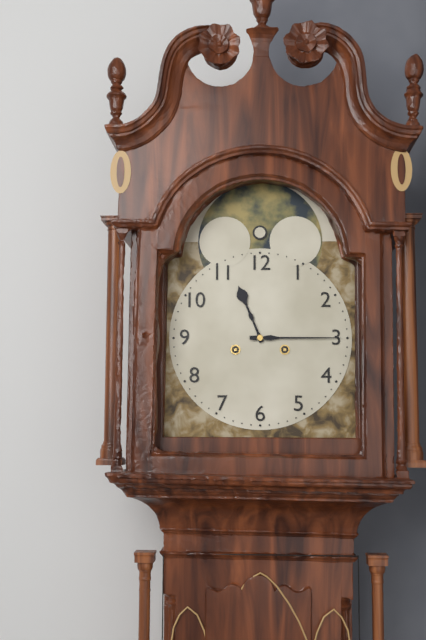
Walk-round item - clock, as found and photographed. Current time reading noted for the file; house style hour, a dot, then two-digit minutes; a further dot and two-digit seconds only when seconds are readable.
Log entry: 11.15
